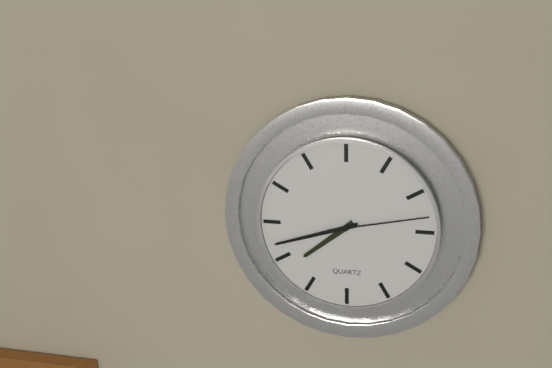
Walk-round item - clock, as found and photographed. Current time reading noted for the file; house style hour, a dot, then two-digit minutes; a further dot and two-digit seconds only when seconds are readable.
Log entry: 7.42.13
